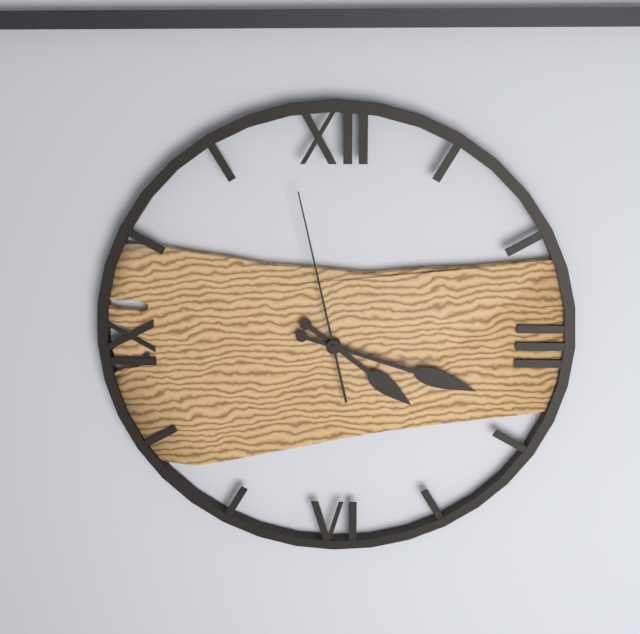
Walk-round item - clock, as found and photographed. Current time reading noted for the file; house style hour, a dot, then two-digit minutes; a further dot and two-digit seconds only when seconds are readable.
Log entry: 4.18.58
